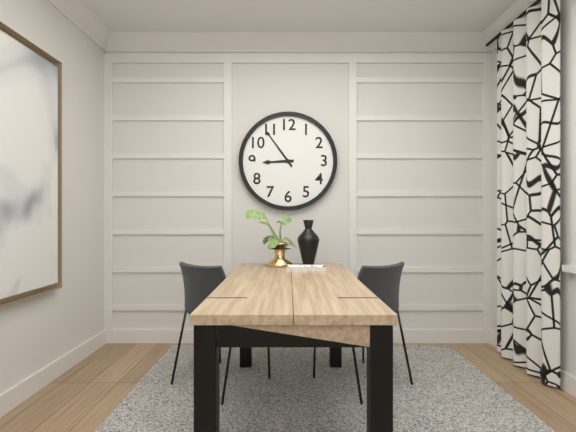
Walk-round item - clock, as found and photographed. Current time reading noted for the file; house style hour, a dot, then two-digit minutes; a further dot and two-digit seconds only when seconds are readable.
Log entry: 8.54
